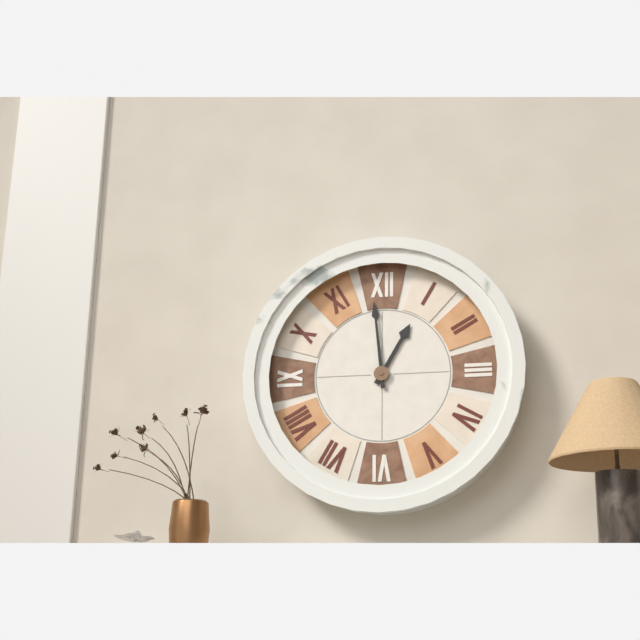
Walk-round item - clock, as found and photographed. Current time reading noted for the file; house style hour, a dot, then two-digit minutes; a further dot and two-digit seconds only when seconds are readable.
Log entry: 12.59
